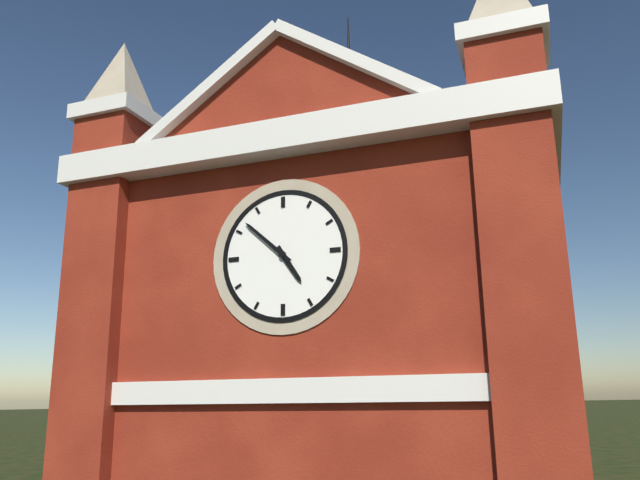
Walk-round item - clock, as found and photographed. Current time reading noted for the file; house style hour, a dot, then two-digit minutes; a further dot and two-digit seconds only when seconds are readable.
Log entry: 4.52
